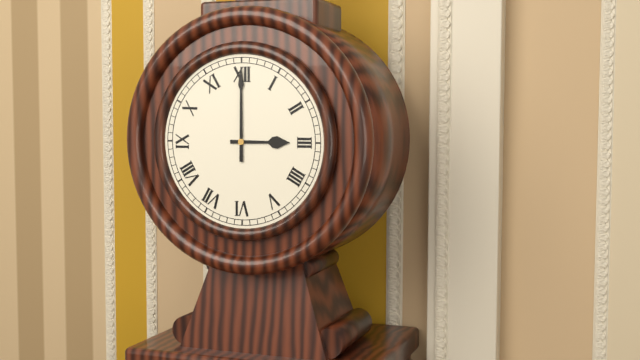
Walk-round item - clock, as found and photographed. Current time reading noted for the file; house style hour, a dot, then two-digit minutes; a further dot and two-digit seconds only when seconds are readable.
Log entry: 3.00
